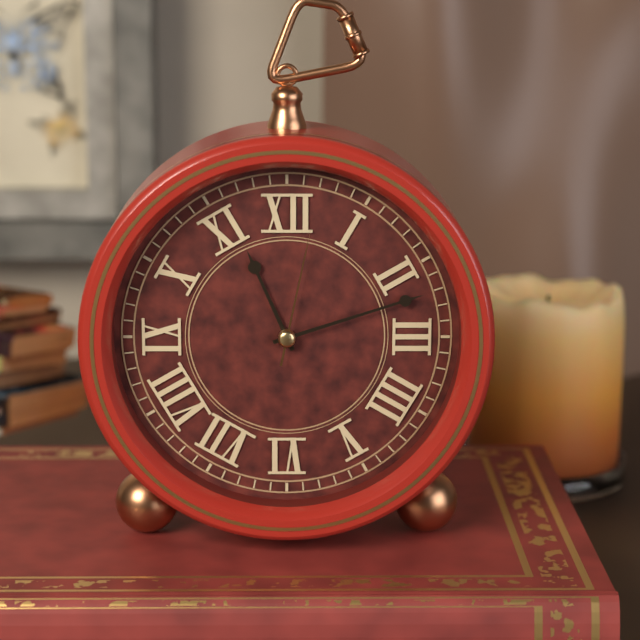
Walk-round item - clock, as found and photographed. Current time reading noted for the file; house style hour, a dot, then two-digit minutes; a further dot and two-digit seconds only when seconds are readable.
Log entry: 11.12.02
